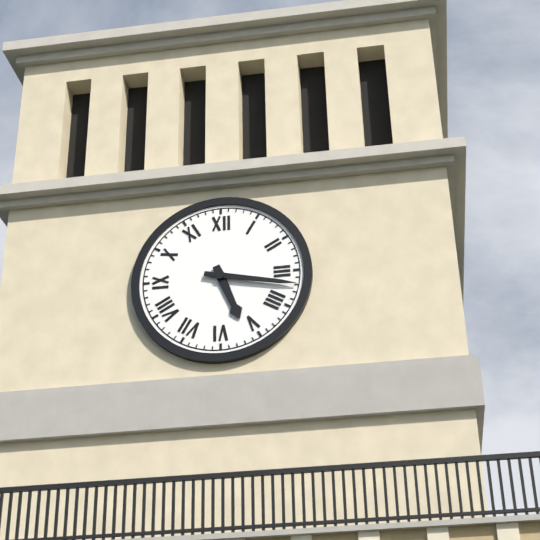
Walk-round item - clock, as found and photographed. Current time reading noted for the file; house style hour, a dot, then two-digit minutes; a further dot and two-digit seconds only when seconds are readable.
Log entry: 5.17
